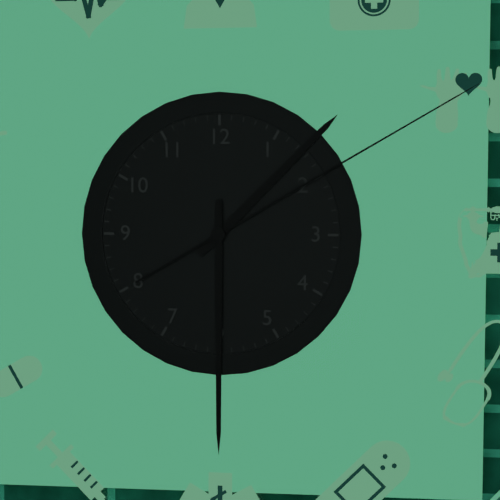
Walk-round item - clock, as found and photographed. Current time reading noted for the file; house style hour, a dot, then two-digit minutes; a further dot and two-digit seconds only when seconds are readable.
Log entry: 1.30.10
